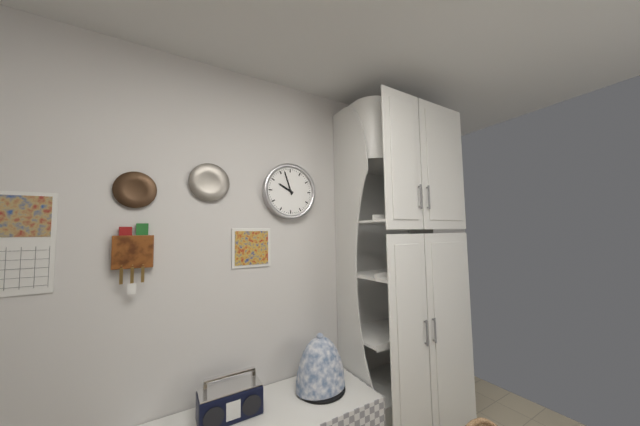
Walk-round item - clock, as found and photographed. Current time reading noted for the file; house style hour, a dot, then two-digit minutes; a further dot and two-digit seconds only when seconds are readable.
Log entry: 9.57
